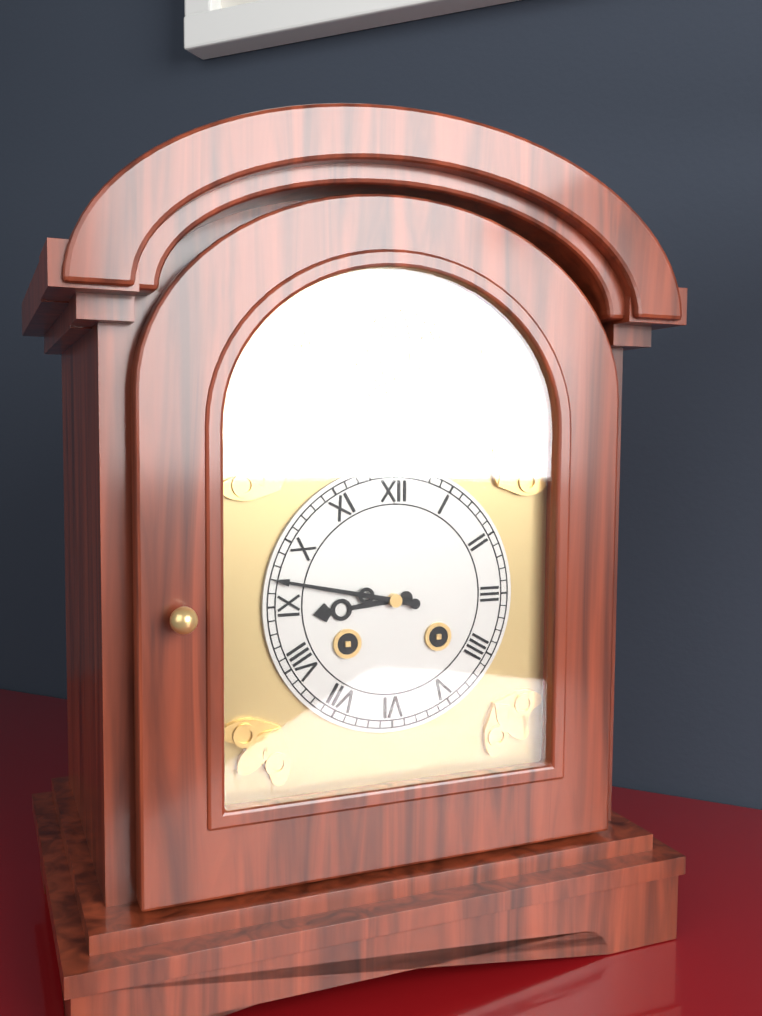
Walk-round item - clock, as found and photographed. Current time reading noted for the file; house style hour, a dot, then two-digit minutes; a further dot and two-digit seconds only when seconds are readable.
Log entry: 8.47
